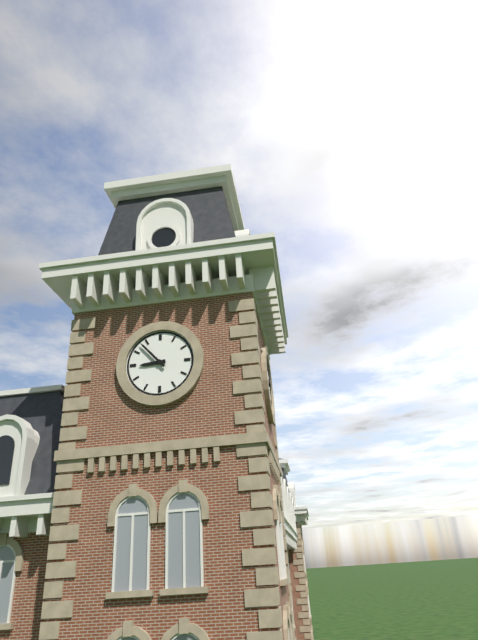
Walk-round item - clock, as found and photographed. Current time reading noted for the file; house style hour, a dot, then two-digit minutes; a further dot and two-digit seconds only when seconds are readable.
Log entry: 8.53
